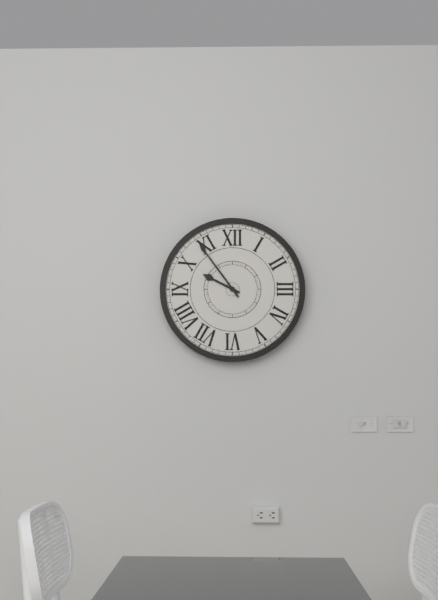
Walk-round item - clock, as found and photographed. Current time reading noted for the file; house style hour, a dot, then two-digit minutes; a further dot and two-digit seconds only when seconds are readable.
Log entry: 9.54
